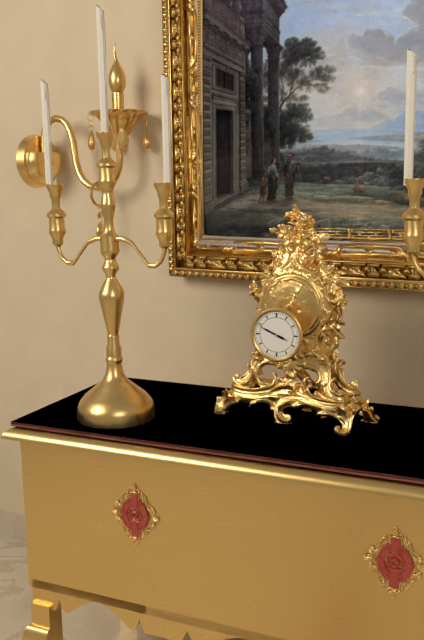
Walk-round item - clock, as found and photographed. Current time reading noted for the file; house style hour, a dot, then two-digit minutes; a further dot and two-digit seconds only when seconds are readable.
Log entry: 3.49
